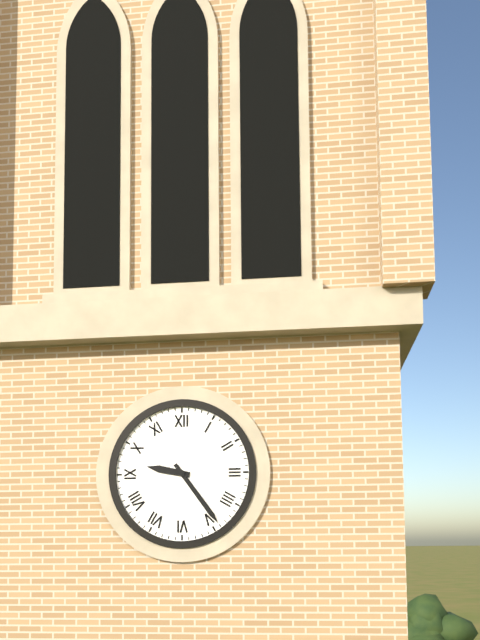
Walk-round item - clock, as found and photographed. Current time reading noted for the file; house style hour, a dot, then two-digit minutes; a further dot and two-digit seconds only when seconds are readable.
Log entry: 9.24
